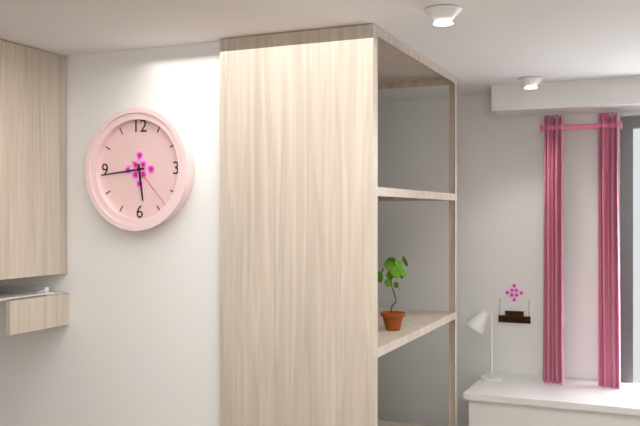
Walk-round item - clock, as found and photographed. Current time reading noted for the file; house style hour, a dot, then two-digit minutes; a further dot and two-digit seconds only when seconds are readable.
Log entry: 5.44.23
